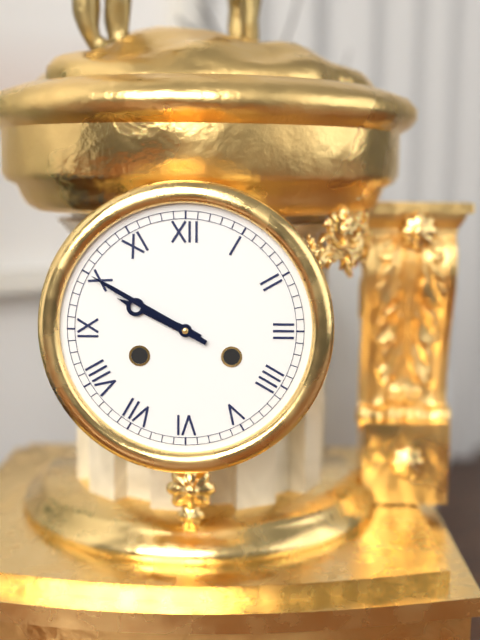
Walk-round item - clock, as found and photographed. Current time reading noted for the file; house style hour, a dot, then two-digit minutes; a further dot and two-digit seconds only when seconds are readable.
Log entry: 9.50
